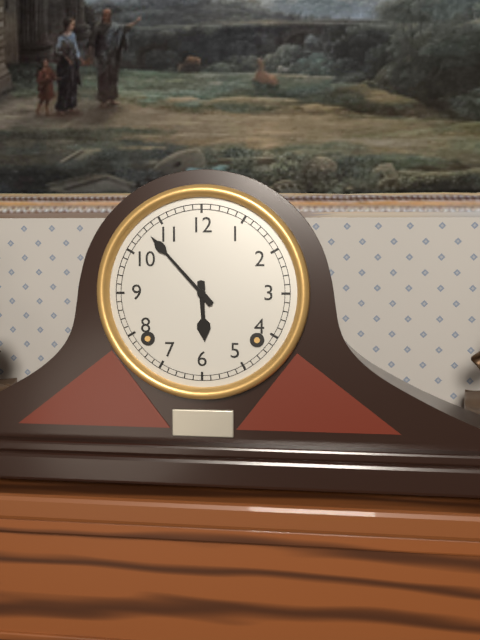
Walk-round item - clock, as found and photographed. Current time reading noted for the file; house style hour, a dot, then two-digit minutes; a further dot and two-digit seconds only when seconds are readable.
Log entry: 5.53
